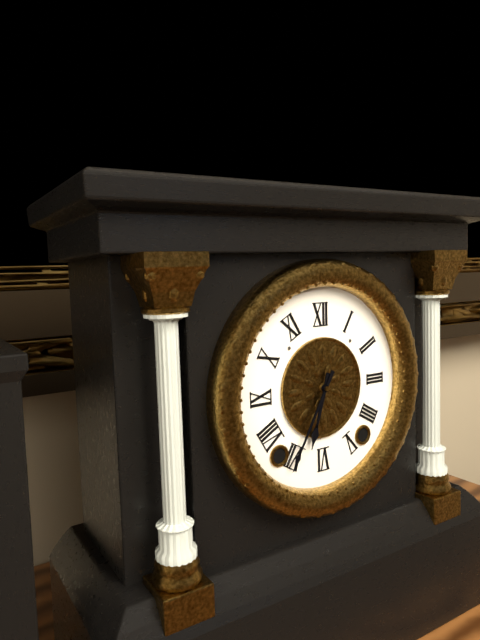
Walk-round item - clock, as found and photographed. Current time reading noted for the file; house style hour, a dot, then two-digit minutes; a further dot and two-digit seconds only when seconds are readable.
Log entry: 6.35
